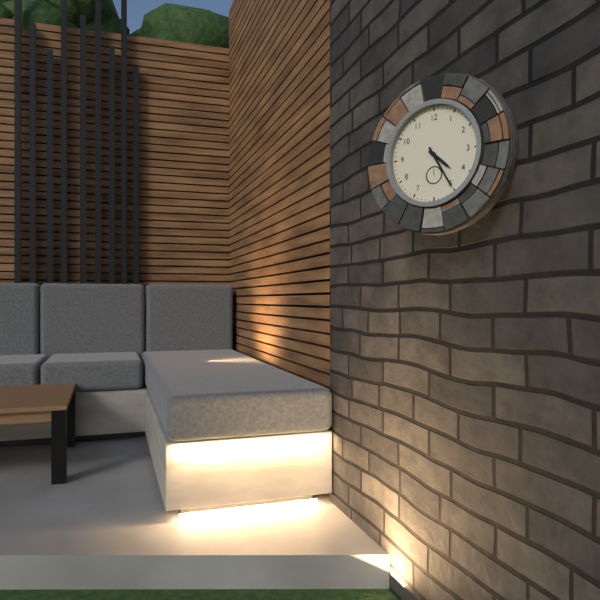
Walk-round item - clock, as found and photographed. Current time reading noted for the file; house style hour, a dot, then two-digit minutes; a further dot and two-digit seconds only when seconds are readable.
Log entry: 4.25
